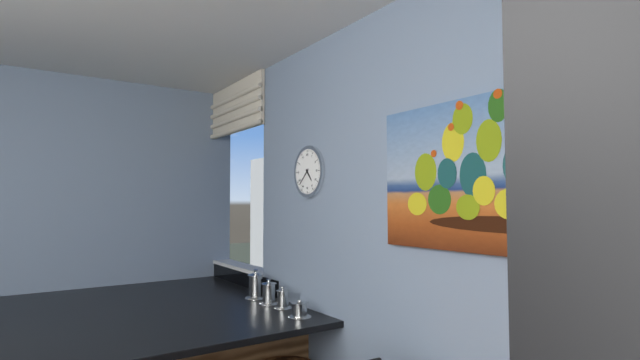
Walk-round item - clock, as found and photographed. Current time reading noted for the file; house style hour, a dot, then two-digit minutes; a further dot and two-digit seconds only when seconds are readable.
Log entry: 4.38
